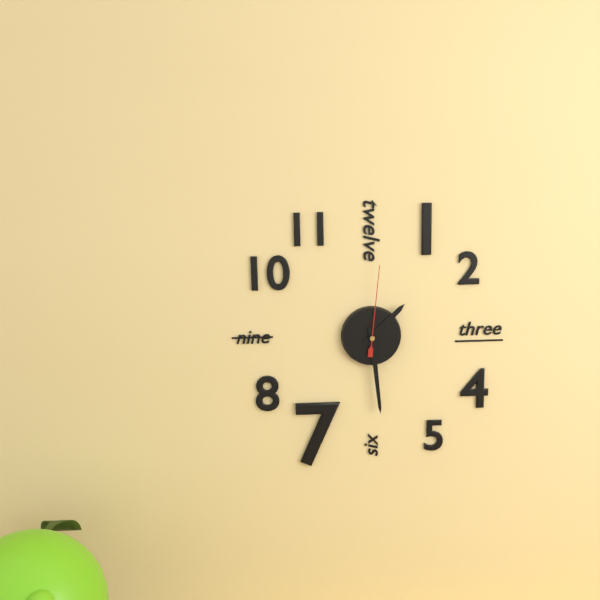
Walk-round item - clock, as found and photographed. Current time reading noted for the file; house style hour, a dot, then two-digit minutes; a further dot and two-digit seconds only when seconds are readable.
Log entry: 1.29.01
